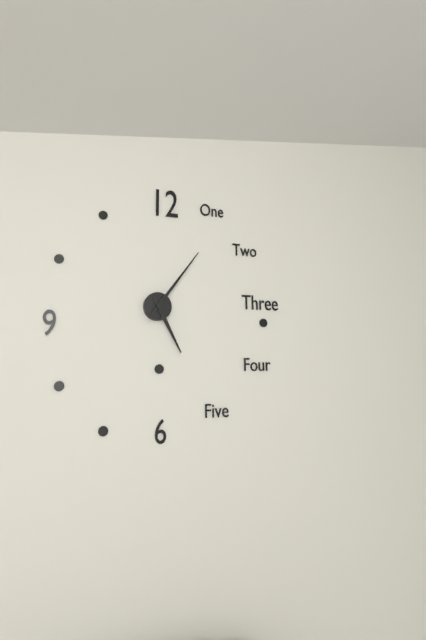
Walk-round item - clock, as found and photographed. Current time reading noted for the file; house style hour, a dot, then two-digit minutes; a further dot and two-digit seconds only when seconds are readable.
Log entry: 5.06
